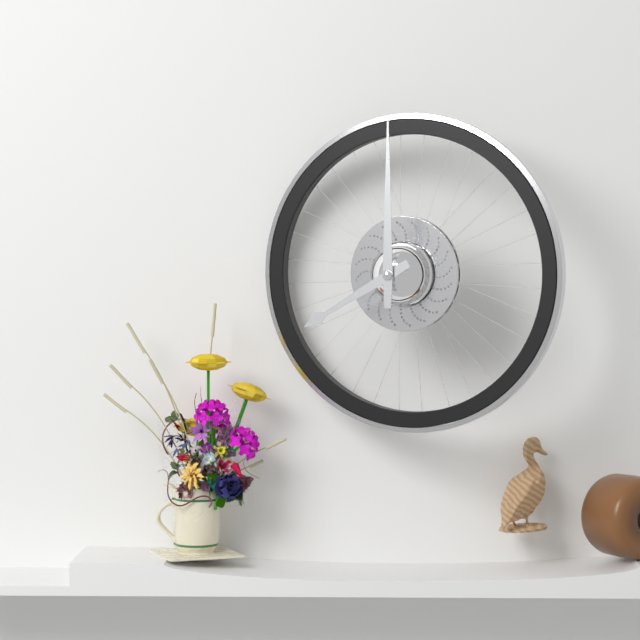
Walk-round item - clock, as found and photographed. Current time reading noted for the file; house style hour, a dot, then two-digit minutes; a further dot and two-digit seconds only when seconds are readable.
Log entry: 8.00
